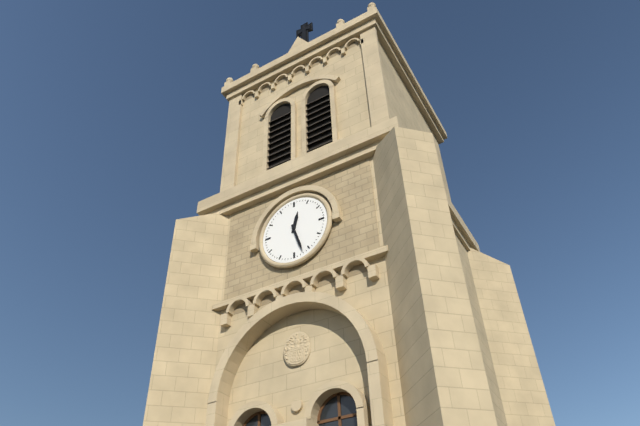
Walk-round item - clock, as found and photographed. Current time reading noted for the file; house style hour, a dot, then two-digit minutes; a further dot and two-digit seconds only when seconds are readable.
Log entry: 12.27
